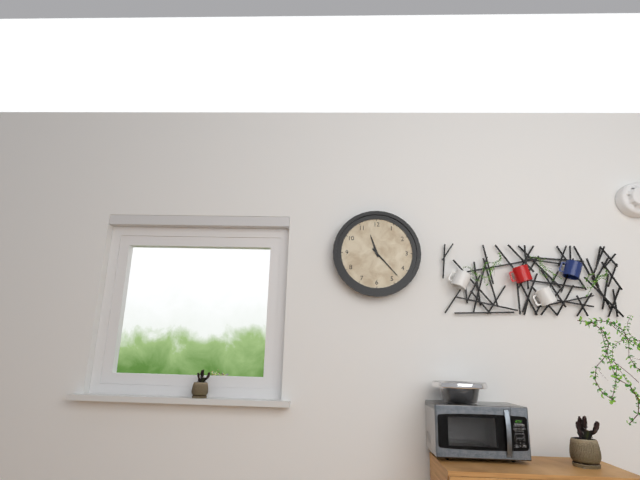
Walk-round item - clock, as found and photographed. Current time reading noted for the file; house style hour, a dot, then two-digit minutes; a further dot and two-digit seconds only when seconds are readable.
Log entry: 11.23
